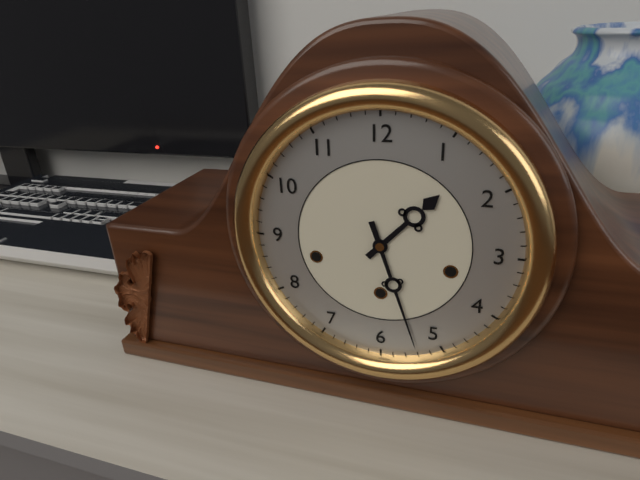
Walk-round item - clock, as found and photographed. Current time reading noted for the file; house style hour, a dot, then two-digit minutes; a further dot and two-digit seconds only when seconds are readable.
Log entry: 1.27
